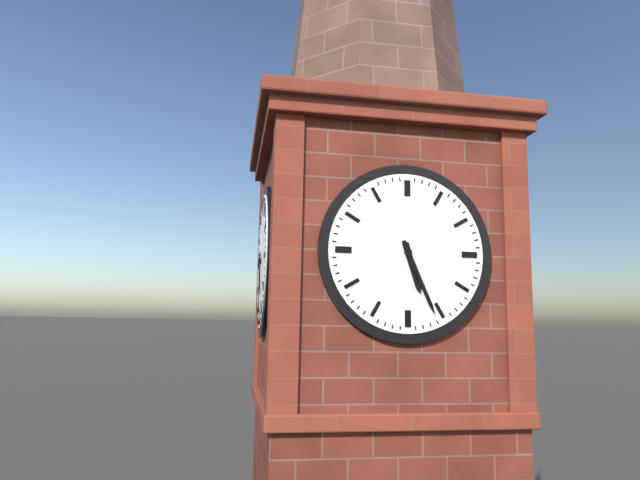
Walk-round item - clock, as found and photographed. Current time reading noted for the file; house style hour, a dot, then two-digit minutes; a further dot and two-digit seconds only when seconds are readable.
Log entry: 5.26
